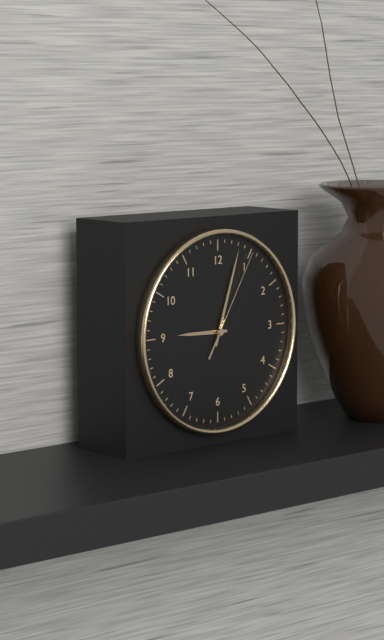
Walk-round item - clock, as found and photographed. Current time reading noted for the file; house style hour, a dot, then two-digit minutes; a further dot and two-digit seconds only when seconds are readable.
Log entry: 9.03.05
